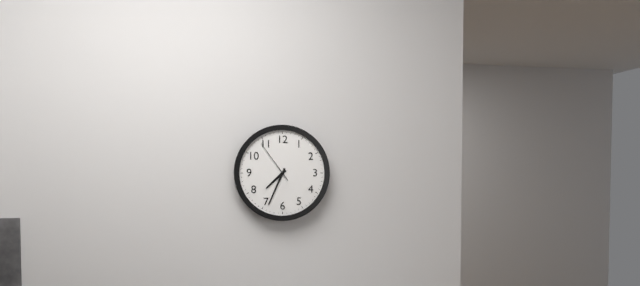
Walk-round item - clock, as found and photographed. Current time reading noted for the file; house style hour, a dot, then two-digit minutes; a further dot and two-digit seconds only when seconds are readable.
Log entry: 7.34
